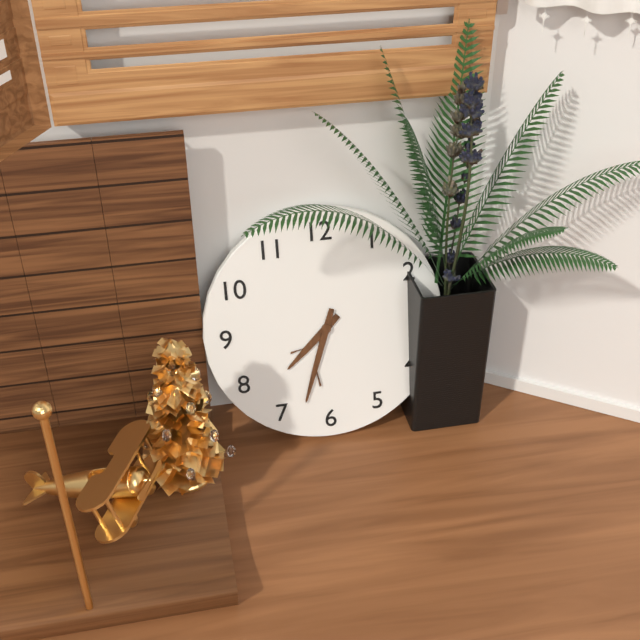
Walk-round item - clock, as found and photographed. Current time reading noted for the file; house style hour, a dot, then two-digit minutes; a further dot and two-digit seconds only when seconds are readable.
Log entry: 7.33
